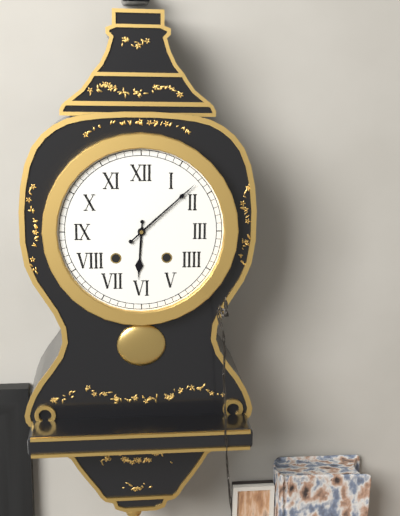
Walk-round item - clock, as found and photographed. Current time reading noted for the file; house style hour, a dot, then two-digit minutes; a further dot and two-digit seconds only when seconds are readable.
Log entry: 6.08
